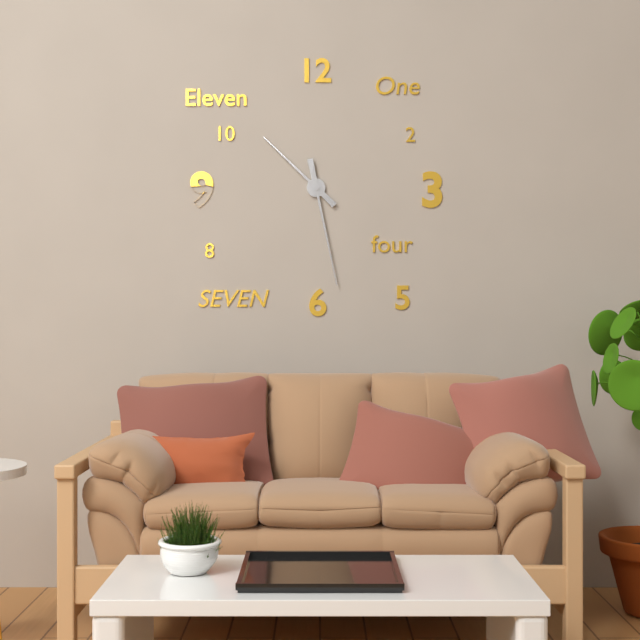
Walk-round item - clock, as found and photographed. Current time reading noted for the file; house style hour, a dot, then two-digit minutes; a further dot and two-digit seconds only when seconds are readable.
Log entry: 10.28
